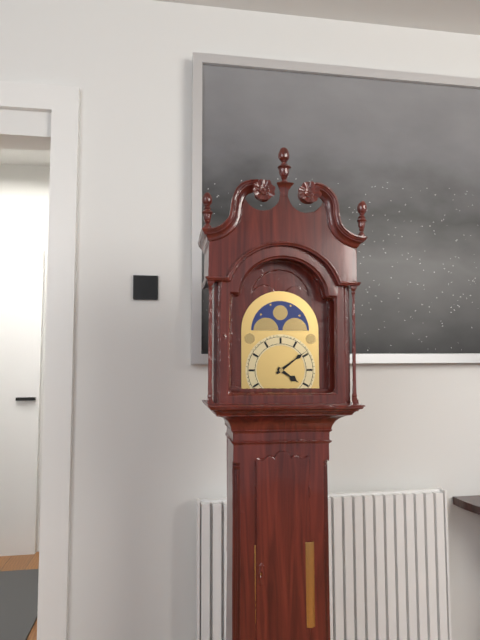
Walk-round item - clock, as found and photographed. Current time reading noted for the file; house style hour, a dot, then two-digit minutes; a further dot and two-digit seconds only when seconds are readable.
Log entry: 4.09
